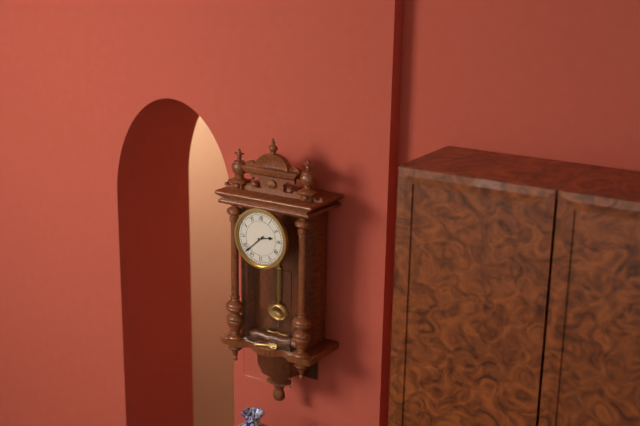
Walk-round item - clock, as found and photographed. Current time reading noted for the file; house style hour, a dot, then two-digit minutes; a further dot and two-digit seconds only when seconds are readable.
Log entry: 2.38
